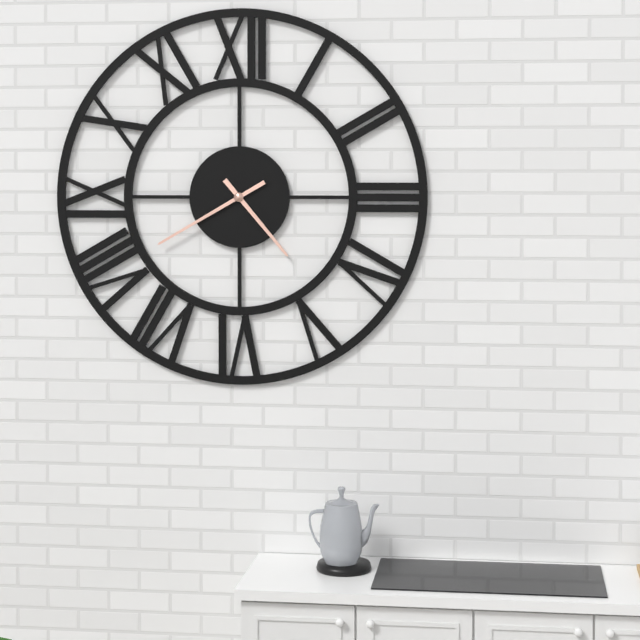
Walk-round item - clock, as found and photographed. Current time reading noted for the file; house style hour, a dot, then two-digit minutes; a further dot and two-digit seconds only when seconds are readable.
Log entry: 4.40
